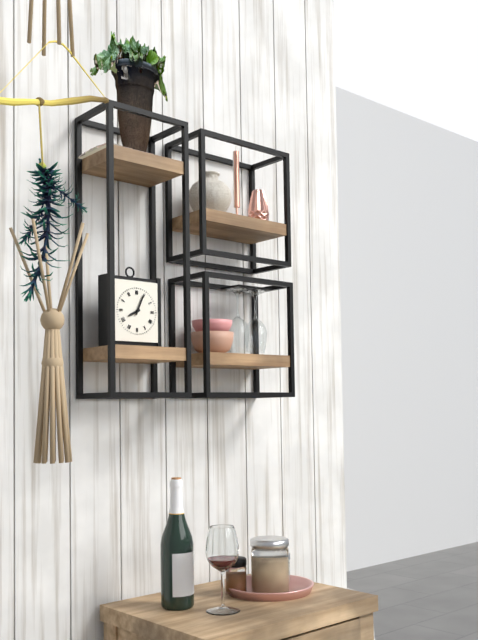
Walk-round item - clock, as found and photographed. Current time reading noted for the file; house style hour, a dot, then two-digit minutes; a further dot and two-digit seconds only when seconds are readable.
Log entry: 8.04
